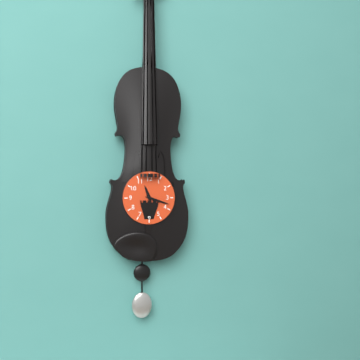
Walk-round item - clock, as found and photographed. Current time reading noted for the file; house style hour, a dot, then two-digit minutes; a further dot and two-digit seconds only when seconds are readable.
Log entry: 11.18
